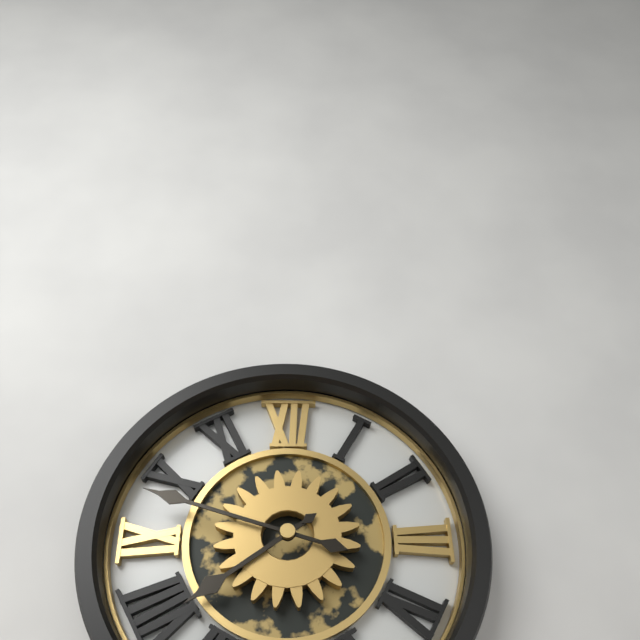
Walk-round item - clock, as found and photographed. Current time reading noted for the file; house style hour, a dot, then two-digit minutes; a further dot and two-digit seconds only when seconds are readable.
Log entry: 7.48
